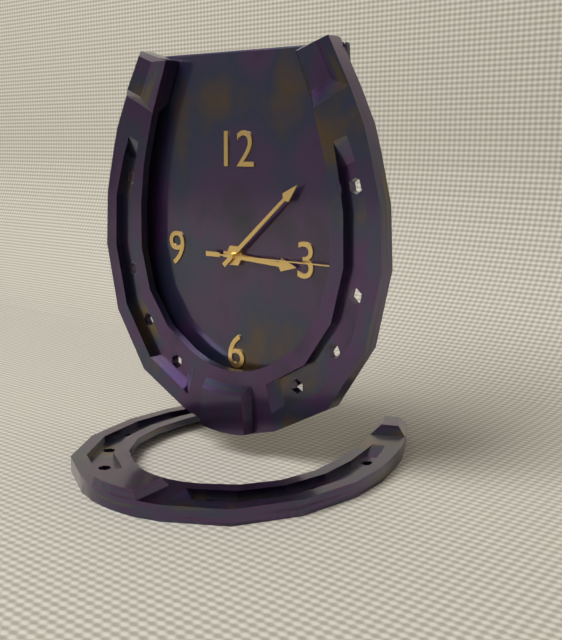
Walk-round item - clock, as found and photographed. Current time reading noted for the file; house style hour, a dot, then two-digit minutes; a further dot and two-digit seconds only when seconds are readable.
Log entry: 3.08.15
